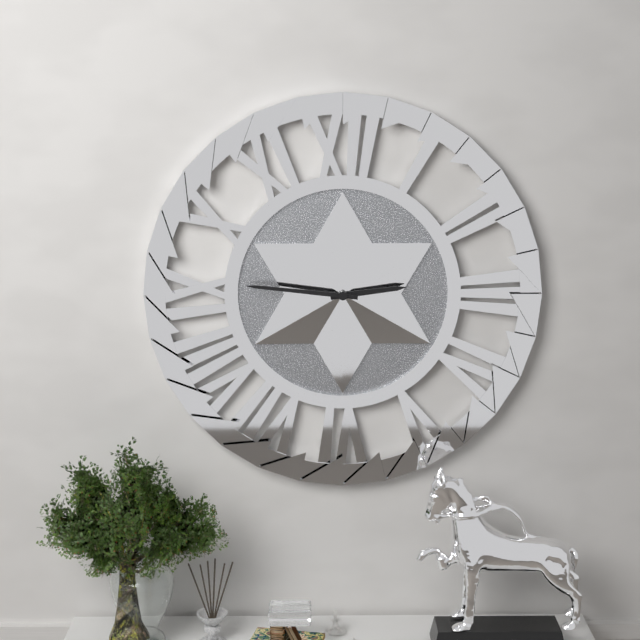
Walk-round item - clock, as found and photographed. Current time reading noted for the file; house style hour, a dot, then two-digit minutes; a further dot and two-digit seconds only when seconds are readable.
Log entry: 2.46
